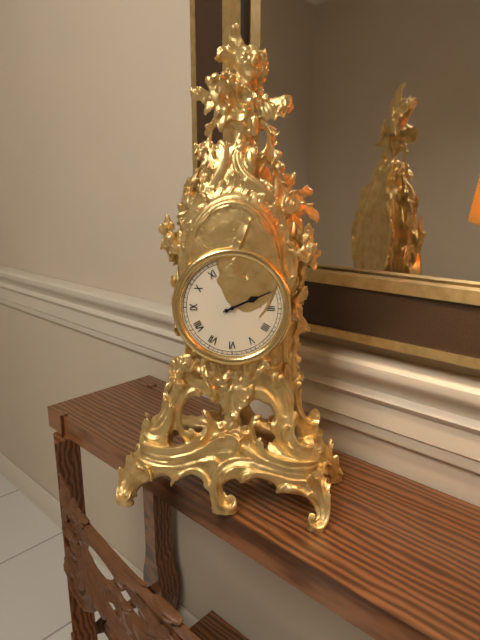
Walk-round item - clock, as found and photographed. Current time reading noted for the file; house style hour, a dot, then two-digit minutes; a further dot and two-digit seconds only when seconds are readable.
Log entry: 2.11
